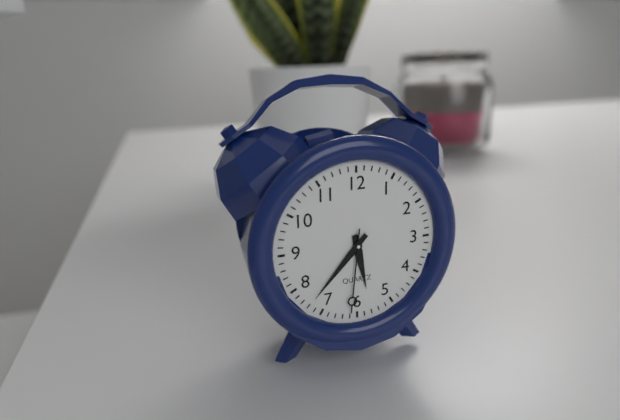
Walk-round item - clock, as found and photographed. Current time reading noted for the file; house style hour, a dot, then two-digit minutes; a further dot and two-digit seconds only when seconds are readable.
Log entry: 5.37.31
